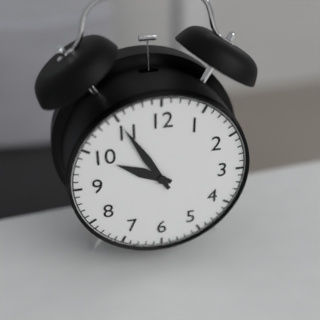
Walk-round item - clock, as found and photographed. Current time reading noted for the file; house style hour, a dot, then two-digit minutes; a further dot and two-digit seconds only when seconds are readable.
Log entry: 9.55
